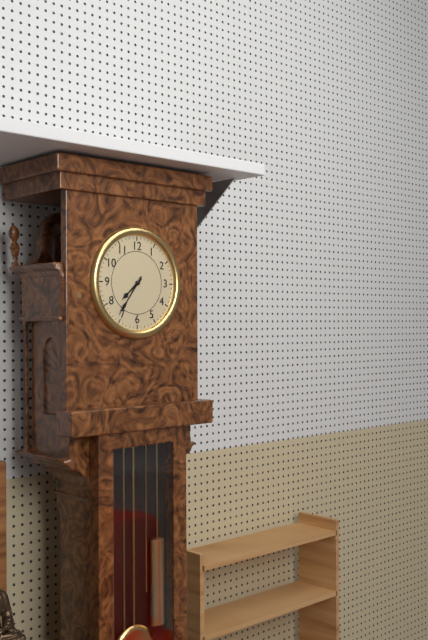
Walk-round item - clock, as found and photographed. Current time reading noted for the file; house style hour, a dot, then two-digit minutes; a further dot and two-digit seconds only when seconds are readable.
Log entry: 7.36
